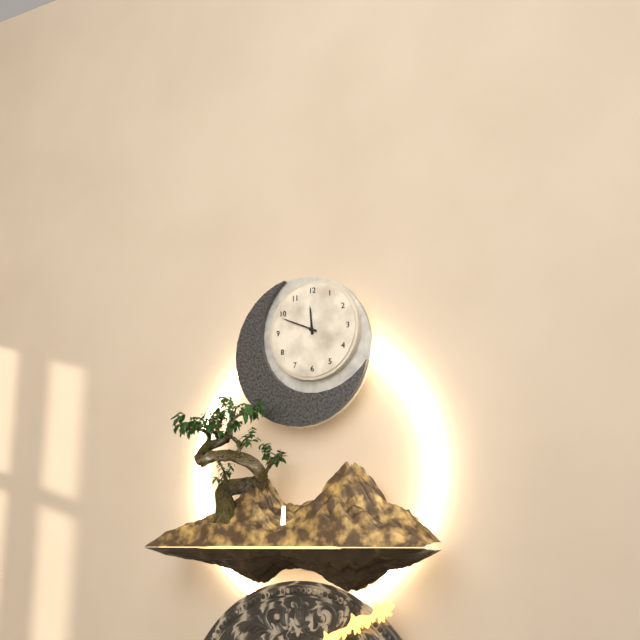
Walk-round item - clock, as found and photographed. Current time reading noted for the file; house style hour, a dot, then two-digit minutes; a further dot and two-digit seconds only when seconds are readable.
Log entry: 11.49
